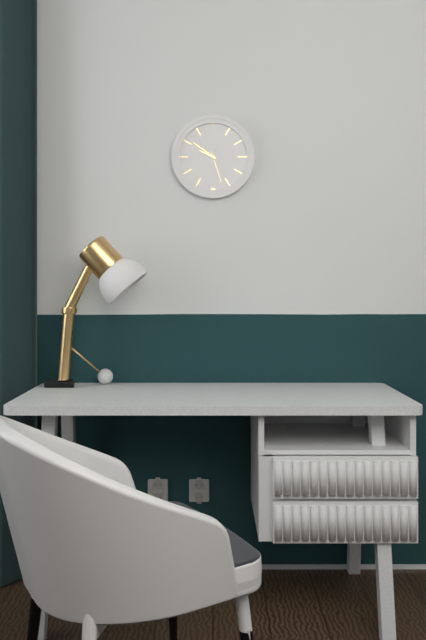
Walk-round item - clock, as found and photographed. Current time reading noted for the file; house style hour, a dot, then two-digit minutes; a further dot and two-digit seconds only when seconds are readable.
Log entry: 9.51
